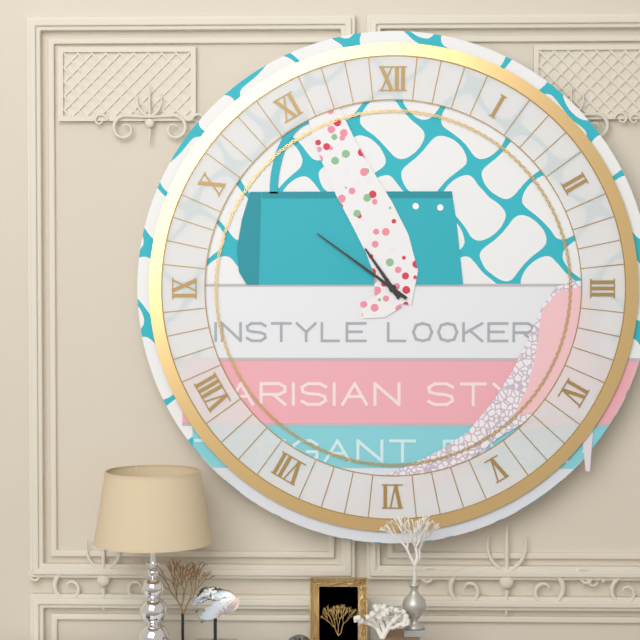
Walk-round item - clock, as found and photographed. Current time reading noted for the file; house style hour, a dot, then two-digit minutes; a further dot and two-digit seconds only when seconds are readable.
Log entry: 10.51
